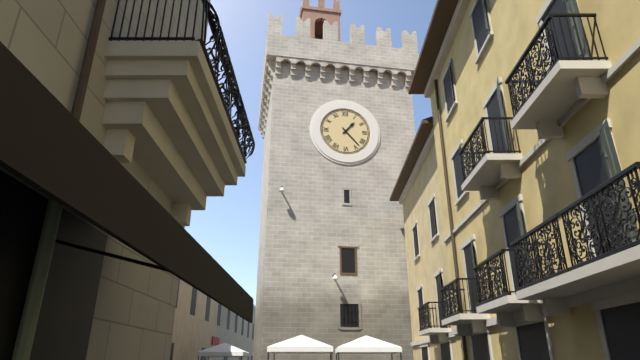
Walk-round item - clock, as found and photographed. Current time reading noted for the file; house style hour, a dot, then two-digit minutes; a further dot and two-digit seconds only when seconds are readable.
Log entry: 1.23
